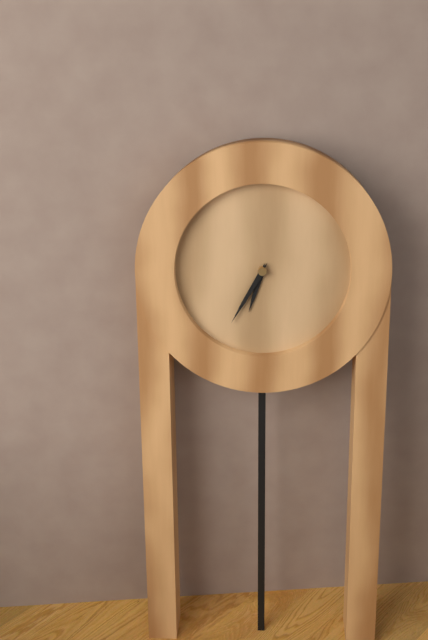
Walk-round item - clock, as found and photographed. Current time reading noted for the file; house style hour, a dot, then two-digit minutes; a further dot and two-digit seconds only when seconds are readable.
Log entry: 6.35
